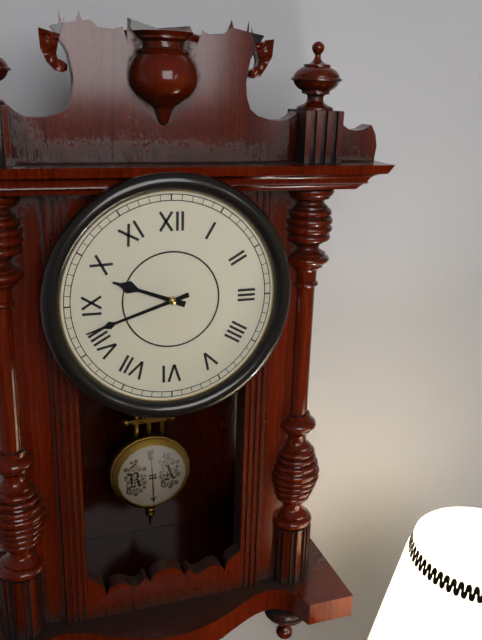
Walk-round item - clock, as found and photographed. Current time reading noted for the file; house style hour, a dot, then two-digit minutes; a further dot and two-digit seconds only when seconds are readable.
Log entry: 9.42
